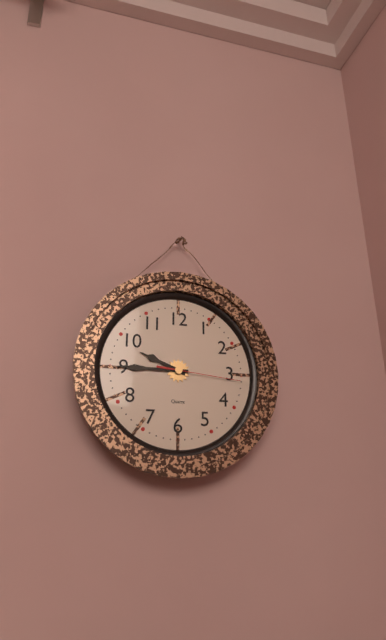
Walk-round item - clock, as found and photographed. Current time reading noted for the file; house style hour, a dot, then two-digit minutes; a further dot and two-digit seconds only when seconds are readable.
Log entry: 9.45.16
